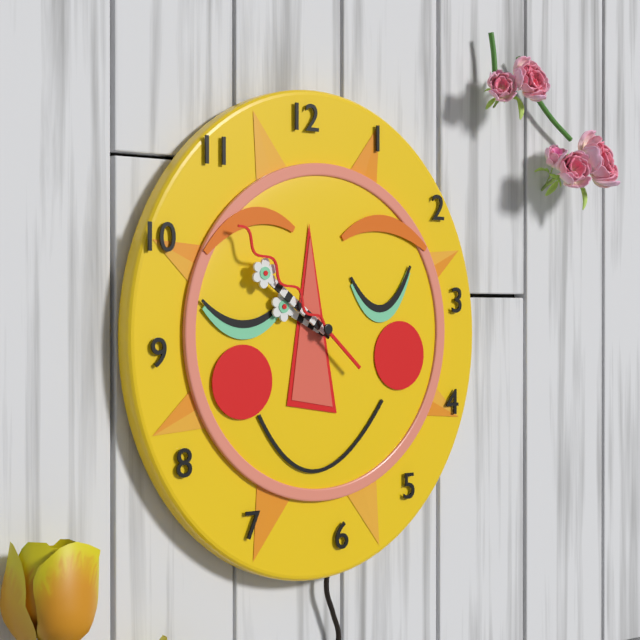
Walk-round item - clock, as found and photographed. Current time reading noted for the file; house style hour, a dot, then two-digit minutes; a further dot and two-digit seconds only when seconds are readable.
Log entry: 9.51.52
